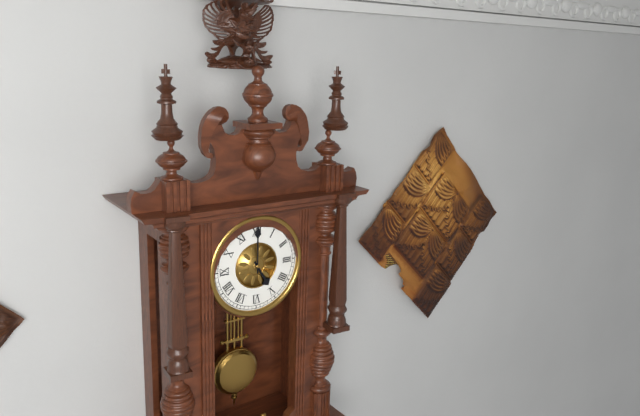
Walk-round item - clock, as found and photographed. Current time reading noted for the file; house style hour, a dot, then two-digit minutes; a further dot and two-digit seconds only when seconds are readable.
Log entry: 5.00
